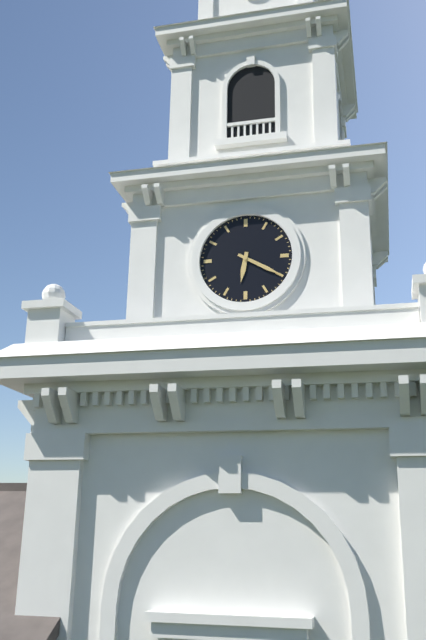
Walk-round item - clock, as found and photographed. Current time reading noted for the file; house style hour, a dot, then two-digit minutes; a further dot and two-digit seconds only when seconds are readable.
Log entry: 6.20
